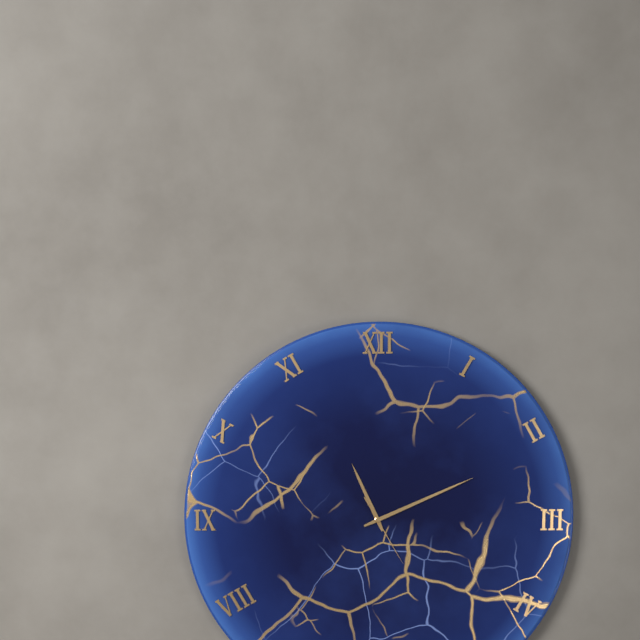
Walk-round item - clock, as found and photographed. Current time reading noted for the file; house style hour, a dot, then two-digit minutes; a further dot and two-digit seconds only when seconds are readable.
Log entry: 11.11.25
